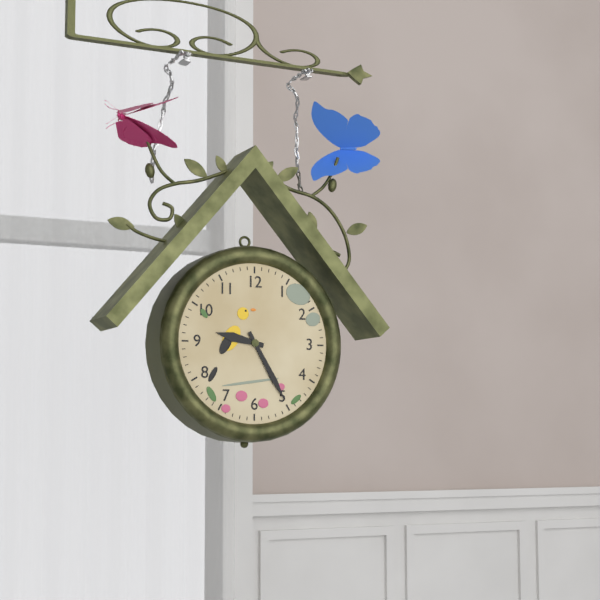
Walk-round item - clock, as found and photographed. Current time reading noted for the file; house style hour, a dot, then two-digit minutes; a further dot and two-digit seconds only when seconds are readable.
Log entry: 9.25
